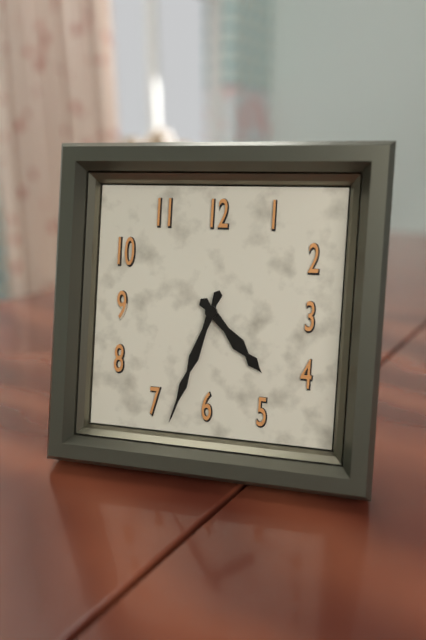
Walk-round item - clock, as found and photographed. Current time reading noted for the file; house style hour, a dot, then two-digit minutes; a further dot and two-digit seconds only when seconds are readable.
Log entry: 4.33
